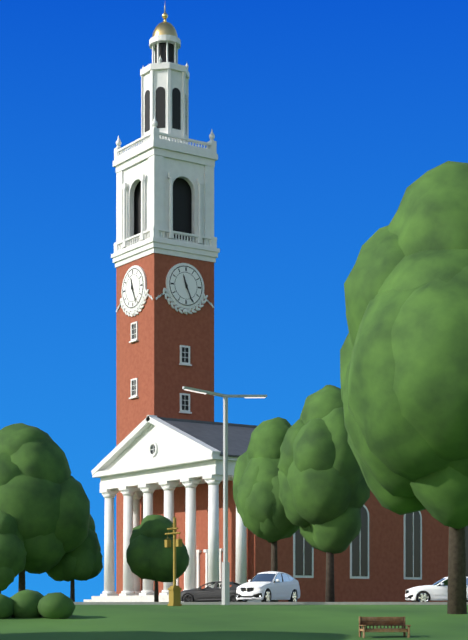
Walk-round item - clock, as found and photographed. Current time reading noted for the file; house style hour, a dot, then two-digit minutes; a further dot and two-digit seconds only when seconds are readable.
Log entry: 11.26
